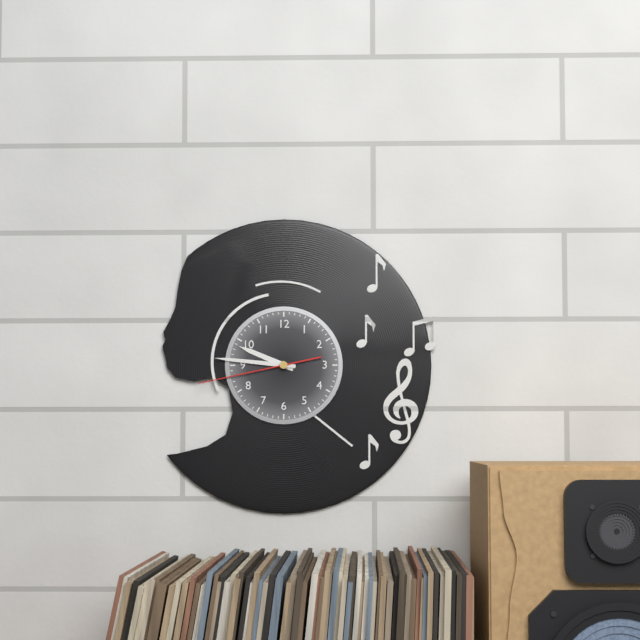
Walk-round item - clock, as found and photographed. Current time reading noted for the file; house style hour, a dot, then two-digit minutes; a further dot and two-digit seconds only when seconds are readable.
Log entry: 9.46.43
